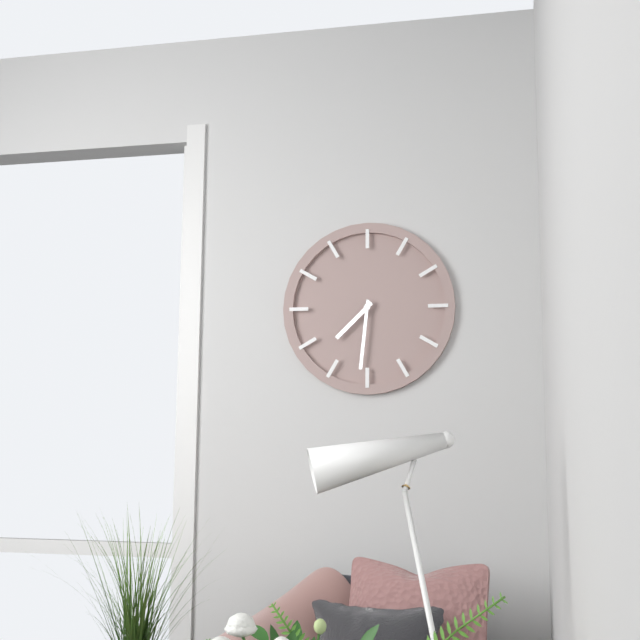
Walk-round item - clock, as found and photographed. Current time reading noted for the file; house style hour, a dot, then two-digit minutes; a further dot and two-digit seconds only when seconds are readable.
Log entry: 7.31
